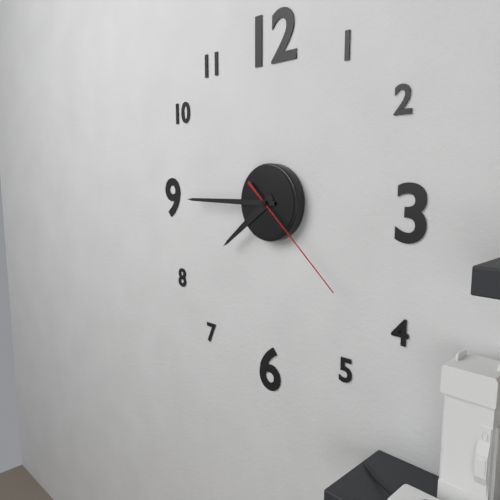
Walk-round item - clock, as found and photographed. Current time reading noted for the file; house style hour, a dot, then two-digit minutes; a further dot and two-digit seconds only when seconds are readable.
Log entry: 7.45.22
